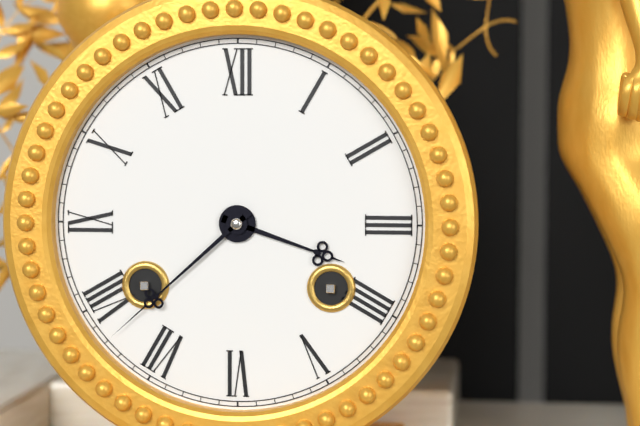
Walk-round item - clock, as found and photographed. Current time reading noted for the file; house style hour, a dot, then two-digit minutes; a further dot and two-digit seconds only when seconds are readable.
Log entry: 3.38
